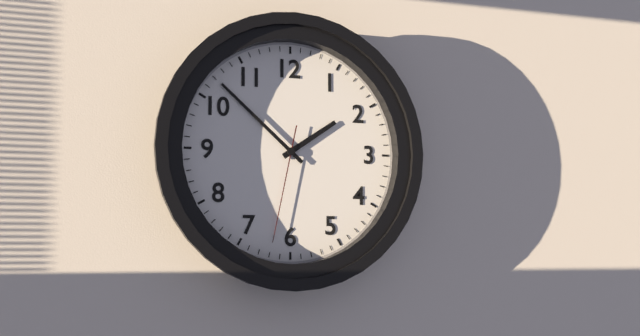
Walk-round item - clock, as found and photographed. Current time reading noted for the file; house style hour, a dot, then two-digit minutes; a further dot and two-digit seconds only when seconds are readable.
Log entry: 1.52.32
